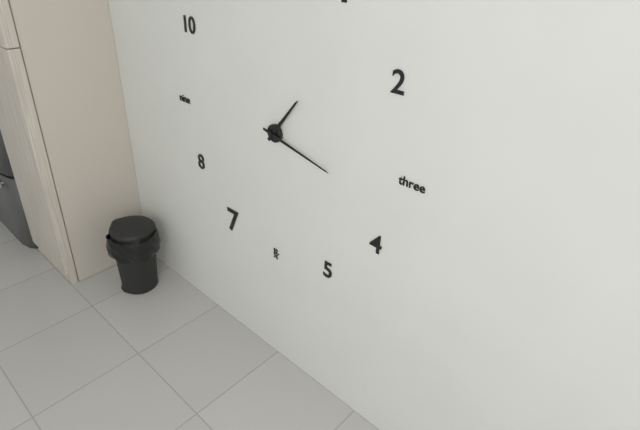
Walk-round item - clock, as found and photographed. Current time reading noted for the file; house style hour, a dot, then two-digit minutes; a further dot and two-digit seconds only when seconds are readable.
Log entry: 1.17
